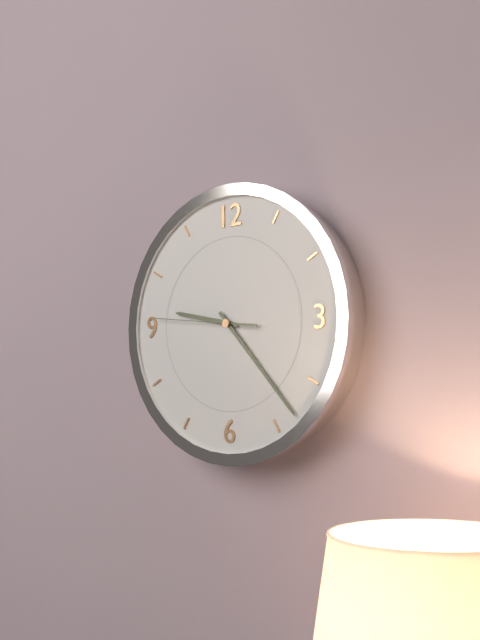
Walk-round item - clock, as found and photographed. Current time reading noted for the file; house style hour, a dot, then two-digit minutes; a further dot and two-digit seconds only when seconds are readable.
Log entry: 9.23.46
